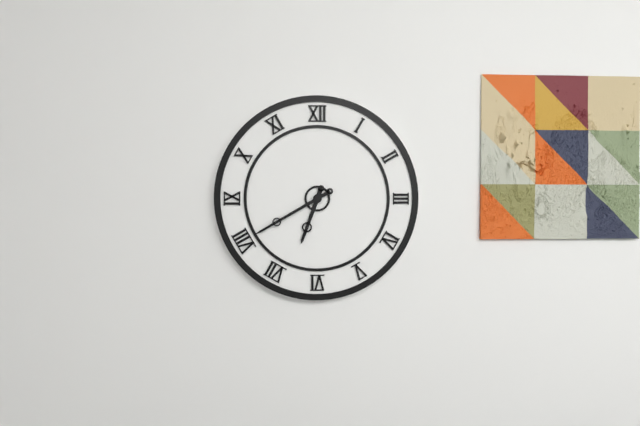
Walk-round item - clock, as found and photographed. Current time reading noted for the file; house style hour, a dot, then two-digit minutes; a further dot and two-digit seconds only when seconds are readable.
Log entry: 6.40
